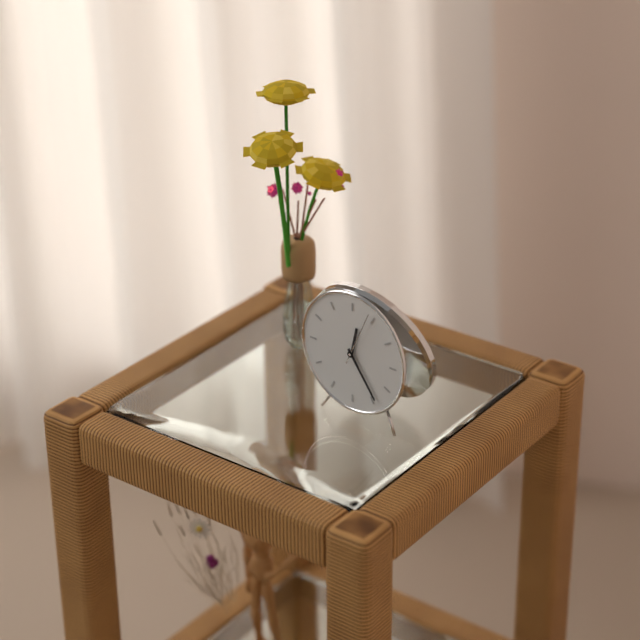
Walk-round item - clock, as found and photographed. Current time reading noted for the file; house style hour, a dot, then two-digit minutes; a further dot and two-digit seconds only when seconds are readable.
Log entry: 12.24.04
